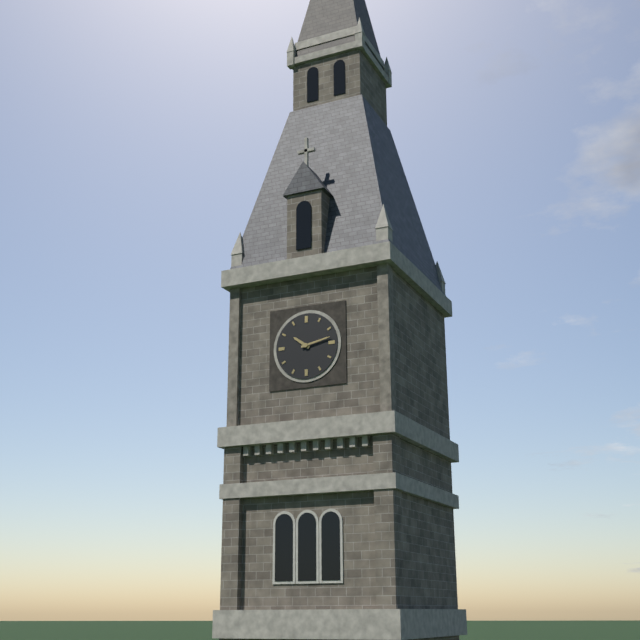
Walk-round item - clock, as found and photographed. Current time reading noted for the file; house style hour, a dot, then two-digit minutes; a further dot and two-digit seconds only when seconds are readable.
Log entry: 10.13
